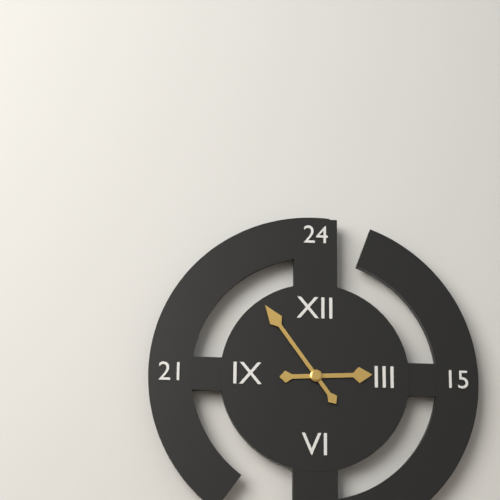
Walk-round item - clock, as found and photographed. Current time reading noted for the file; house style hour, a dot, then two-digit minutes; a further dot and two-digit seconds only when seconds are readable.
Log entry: 2.54
